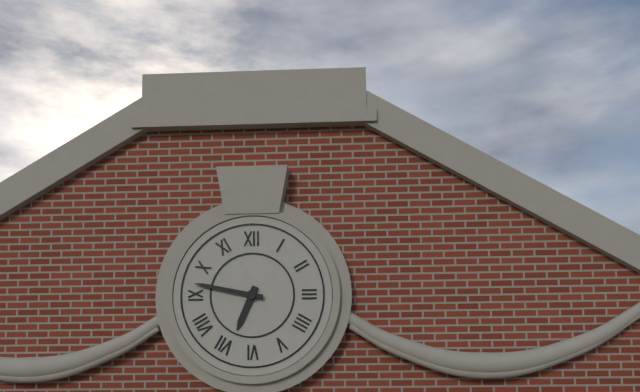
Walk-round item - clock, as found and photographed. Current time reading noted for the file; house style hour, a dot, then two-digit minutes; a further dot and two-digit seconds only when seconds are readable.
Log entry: 6.47
